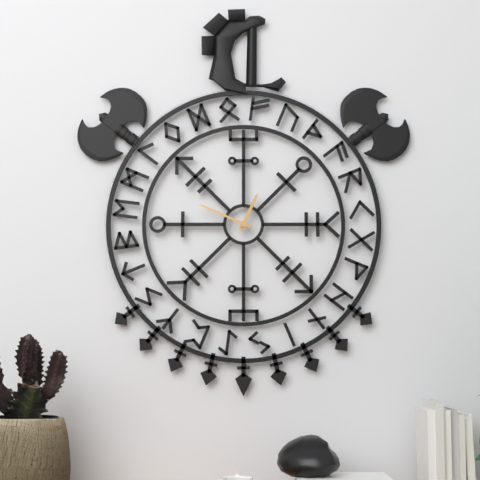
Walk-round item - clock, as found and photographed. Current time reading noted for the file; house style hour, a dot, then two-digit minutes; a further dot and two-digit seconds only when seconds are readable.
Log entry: 12.49
